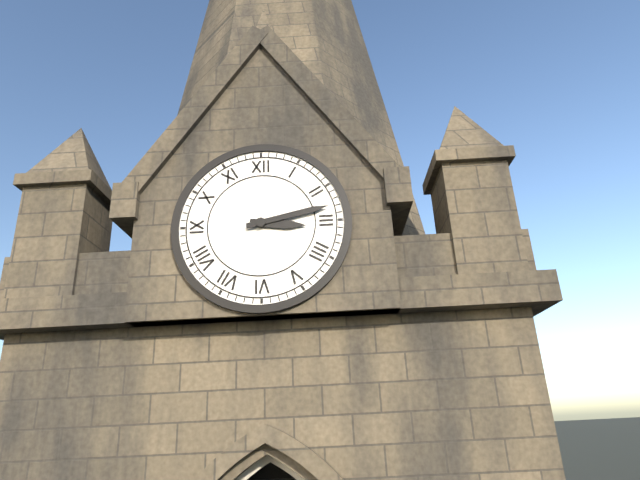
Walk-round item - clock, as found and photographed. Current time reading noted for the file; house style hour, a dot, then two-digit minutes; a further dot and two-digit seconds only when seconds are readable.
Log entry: 3.13
